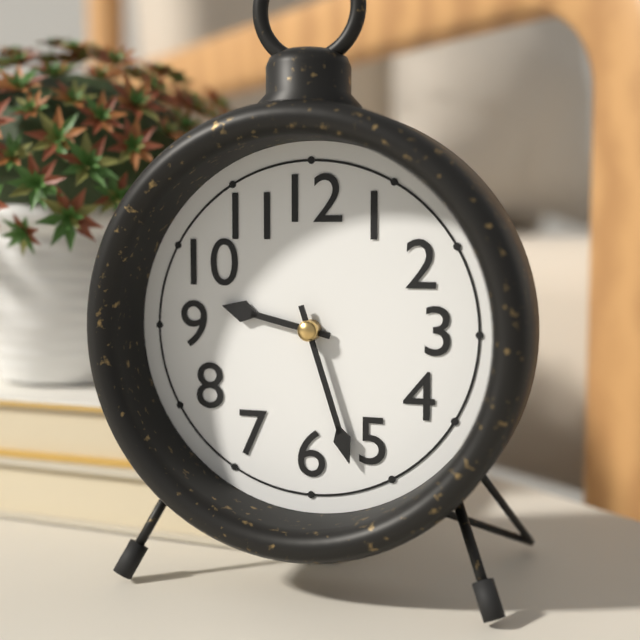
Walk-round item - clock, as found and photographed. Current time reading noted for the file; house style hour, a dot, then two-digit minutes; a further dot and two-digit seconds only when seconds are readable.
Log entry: 9.27
